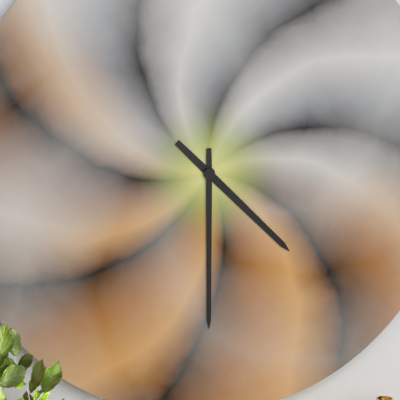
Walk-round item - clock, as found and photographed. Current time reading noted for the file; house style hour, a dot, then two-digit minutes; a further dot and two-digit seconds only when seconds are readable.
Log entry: 4.30
